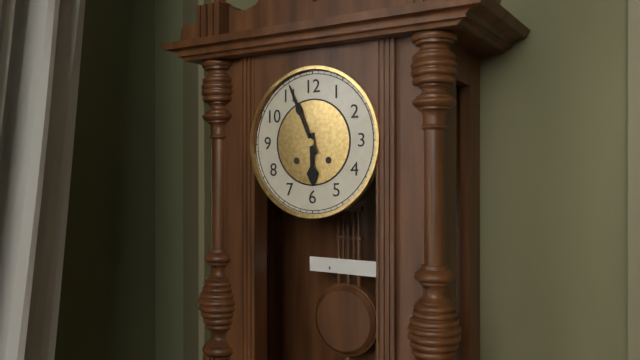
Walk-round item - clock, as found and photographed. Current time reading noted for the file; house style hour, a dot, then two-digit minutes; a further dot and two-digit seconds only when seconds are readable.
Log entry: 5.56
